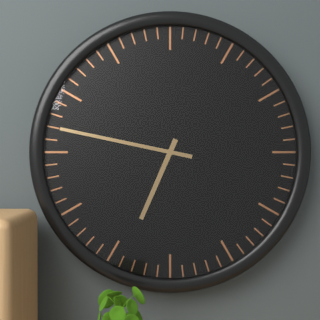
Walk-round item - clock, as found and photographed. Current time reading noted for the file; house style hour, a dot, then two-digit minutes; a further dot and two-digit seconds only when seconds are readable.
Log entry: 6.47
